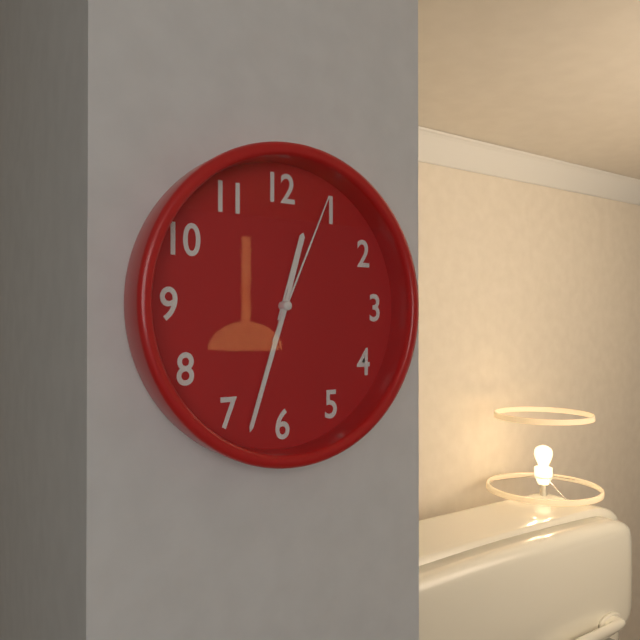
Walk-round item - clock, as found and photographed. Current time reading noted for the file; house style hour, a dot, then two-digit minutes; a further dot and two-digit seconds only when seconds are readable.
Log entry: 12.33.04
